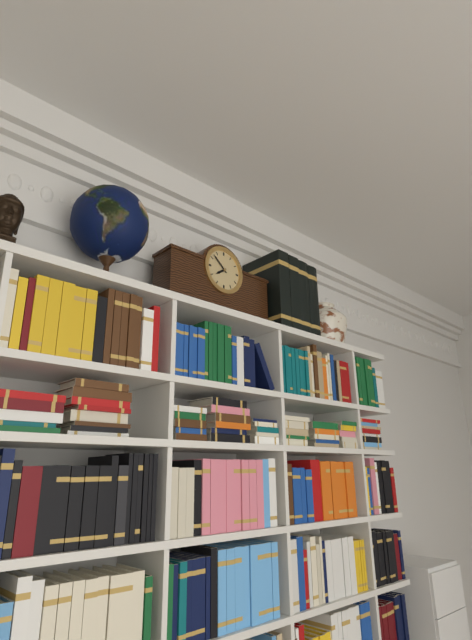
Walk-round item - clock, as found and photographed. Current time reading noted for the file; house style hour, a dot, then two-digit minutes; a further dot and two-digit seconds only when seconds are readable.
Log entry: 7.52
